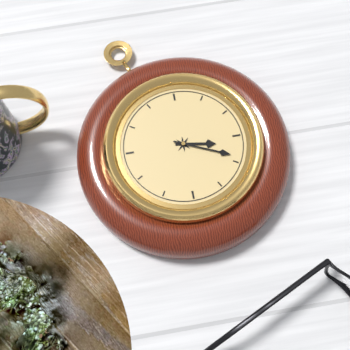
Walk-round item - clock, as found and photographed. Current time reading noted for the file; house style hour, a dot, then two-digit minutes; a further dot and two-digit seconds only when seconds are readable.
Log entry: 3.19
